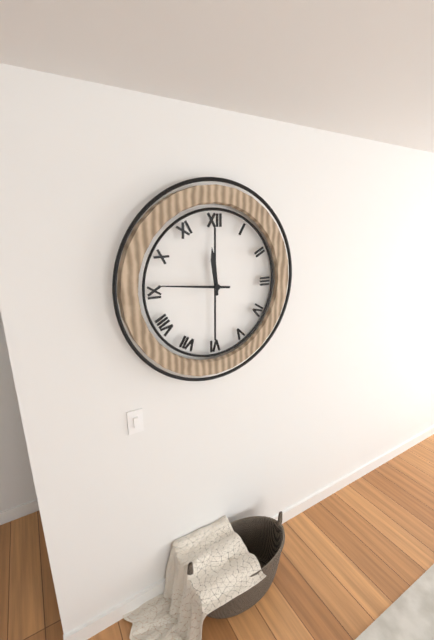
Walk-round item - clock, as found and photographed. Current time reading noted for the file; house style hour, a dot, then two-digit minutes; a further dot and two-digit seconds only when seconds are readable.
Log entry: 11.46
